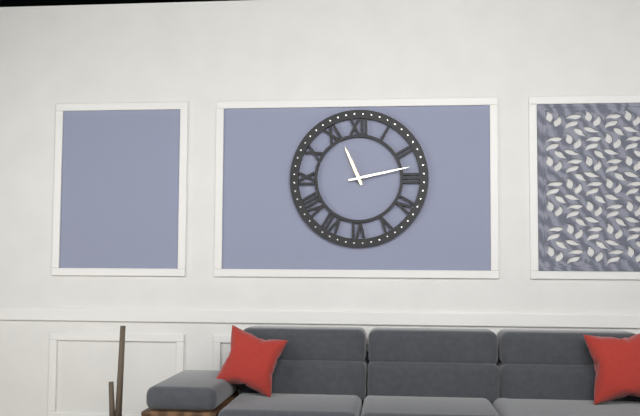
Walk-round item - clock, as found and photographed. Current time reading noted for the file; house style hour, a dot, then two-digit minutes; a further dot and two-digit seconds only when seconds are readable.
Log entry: 11.13
